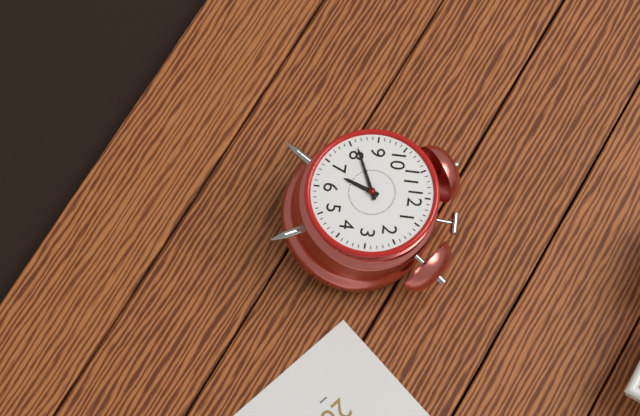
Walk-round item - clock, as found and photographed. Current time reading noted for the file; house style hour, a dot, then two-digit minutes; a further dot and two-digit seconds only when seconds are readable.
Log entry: 6.41
